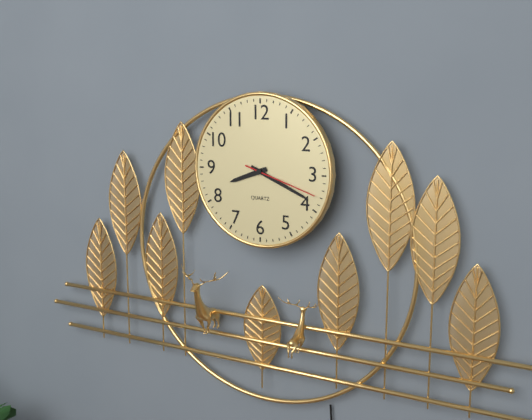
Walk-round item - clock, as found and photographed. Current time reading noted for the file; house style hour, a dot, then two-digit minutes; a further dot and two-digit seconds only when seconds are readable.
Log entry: 8.19.18
